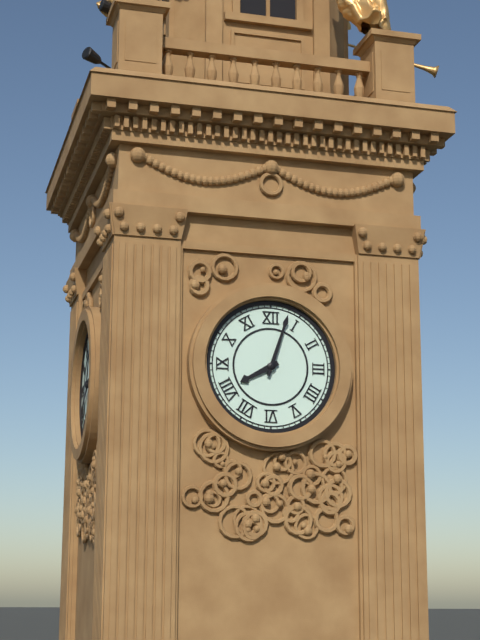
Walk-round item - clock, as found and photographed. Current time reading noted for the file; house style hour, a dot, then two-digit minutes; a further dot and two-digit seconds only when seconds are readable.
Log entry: 8.03
